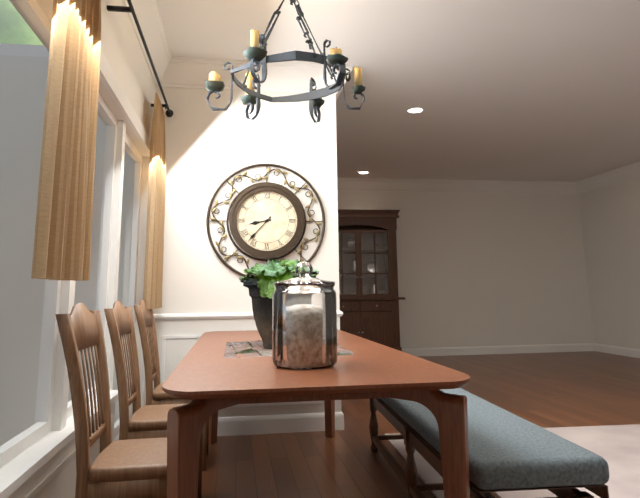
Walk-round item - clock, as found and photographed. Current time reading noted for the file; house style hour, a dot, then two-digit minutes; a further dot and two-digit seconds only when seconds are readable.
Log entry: 8.37
